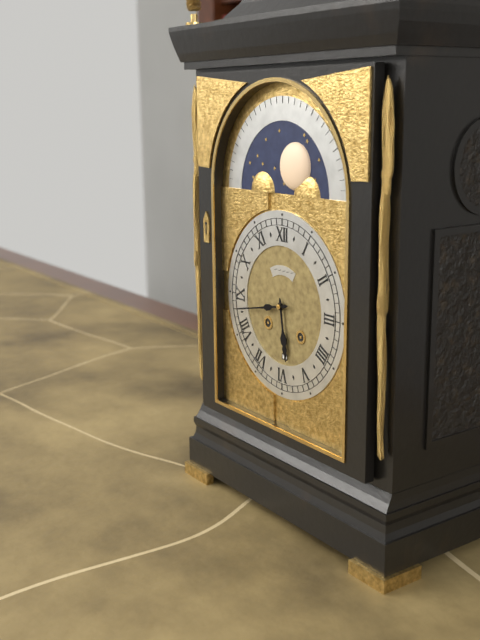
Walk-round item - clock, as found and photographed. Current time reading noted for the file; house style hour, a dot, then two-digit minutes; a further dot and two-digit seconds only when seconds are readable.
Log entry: 5.43
